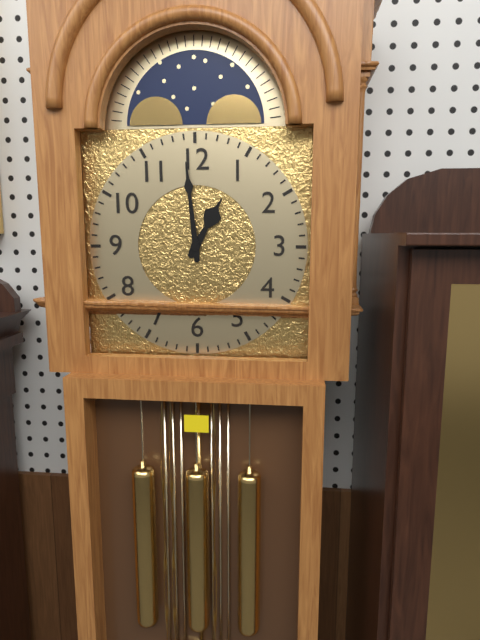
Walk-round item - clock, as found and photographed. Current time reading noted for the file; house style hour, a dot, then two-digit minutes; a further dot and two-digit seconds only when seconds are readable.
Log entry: 12.59
